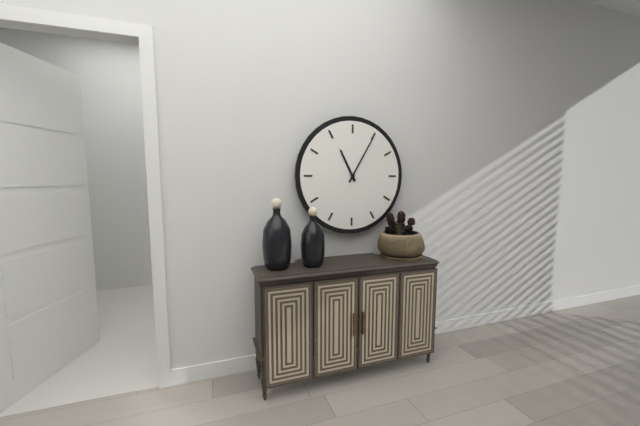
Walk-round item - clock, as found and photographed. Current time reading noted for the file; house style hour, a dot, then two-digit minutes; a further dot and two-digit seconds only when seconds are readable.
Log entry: 11.05
